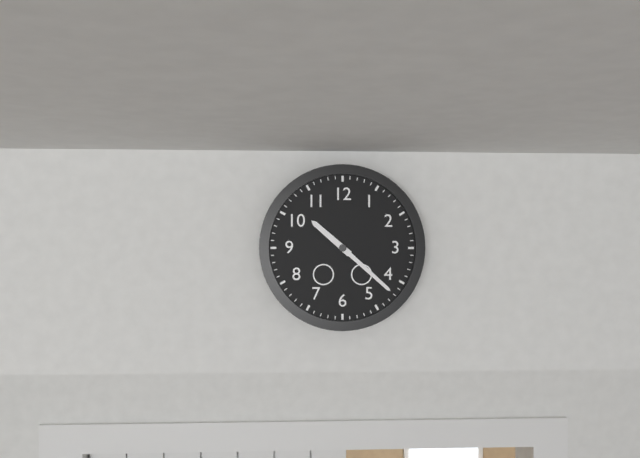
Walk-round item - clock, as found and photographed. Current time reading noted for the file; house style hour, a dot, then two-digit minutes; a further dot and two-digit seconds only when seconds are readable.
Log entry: 10.22
